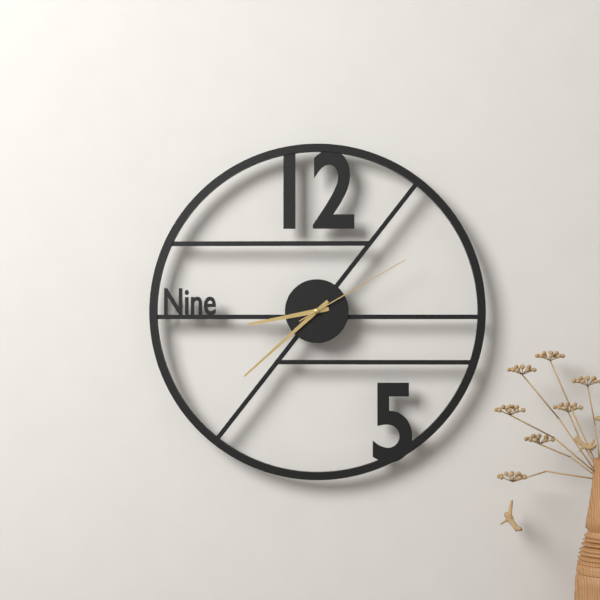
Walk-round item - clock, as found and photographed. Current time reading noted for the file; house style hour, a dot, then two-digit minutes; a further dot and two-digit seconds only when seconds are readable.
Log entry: 8.38.10
